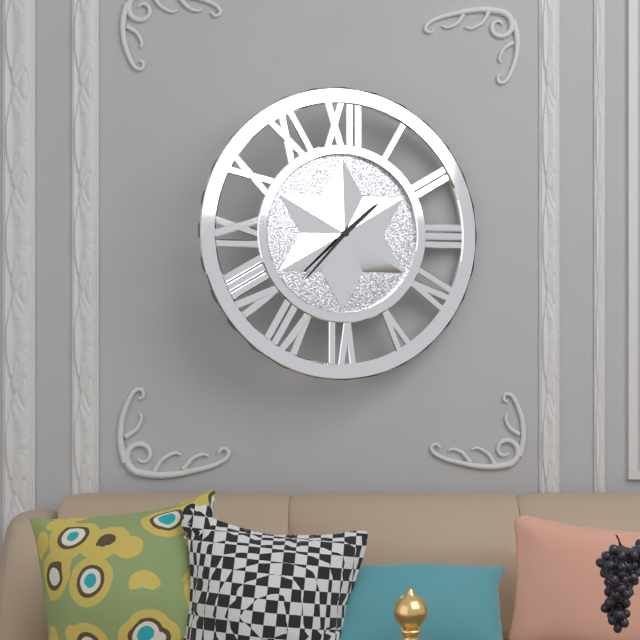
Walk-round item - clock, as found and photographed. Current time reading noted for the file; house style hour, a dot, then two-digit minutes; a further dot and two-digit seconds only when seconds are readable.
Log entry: 1.37
